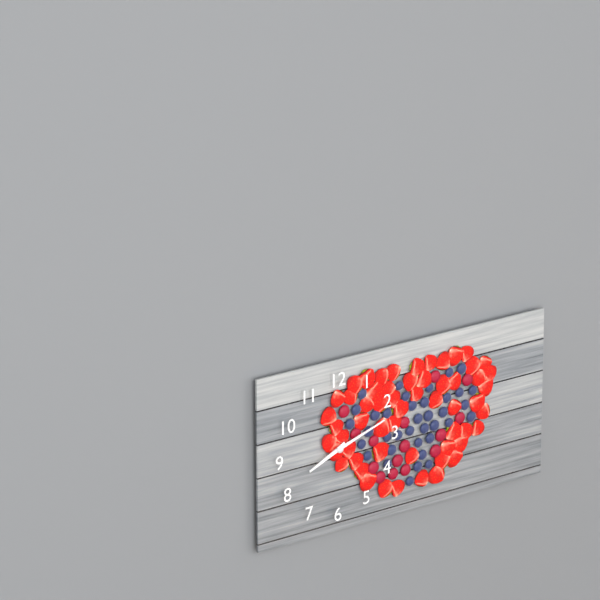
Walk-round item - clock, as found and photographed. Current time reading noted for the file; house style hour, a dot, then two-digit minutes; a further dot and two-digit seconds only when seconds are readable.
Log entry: 8.12
